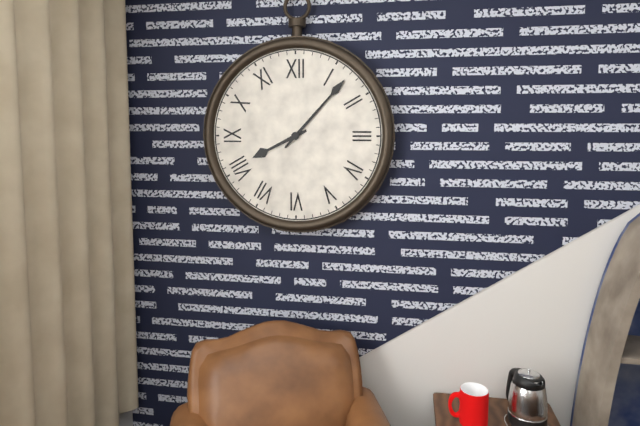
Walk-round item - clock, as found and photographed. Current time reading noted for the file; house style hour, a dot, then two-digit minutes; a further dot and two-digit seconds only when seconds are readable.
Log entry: 8.07
